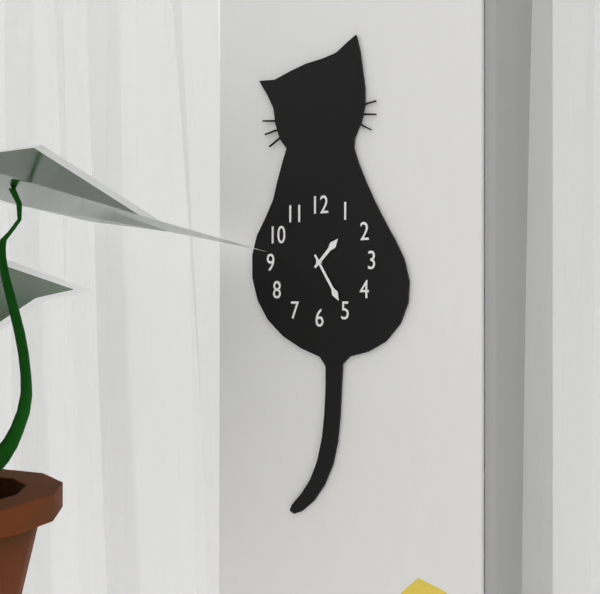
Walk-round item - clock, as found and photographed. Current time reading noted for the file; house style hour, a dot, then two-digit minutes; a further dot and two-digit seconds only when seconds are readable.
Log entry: 1.25
